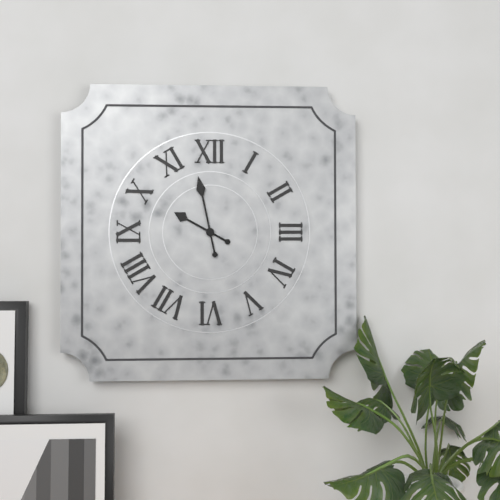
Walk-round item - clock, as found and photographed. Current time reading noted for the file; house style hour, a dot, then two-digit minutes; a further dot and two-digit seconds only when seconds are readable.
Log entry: 9.58
